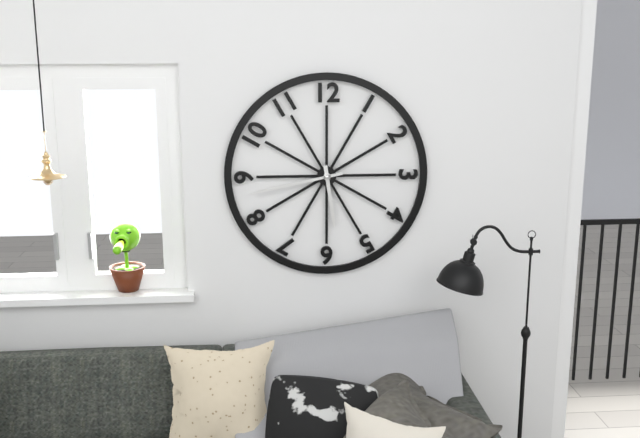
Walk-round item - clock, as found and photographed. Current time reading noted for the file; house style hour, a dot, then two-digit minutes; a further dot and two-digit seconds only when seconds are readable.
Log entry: 5.43
